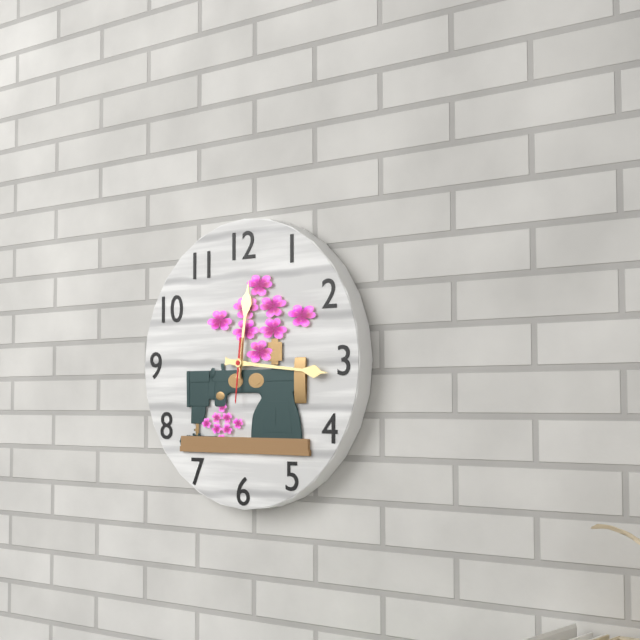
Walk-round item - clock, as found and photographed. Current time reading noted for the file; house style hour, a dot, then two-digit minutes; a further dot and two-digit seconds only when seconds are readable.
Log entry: 12.16.31
